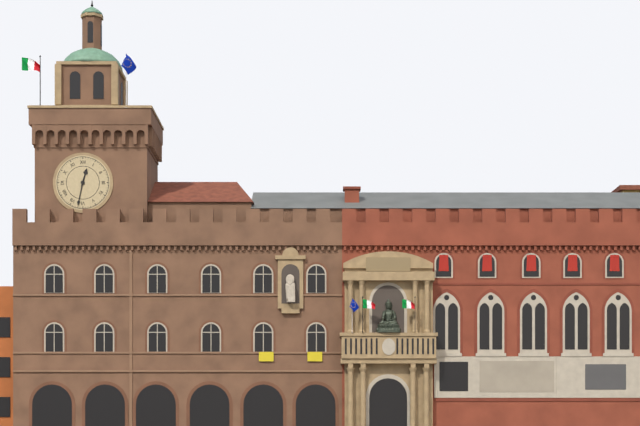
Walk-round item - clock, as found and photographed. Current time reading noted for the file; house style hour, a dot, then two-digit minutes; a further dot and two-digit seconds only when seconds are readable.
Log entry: 12.32
